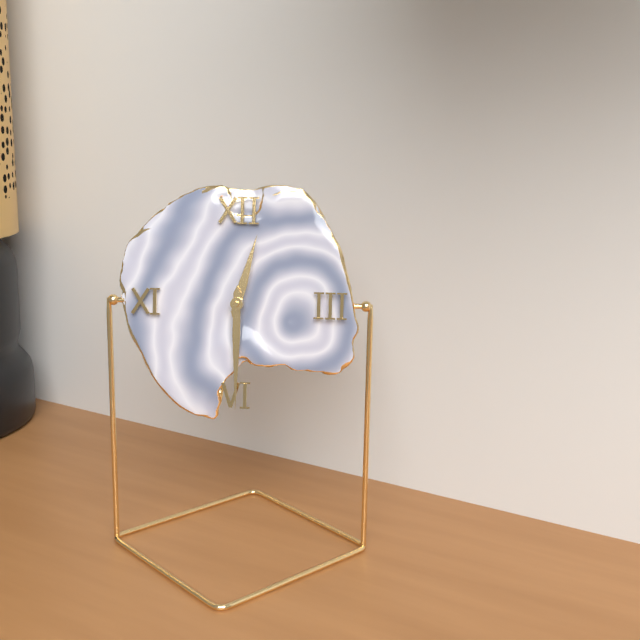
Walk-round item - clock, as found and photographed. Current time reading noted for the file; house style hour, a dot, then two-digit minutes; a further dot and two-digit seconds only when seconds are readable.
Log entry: 12.30
